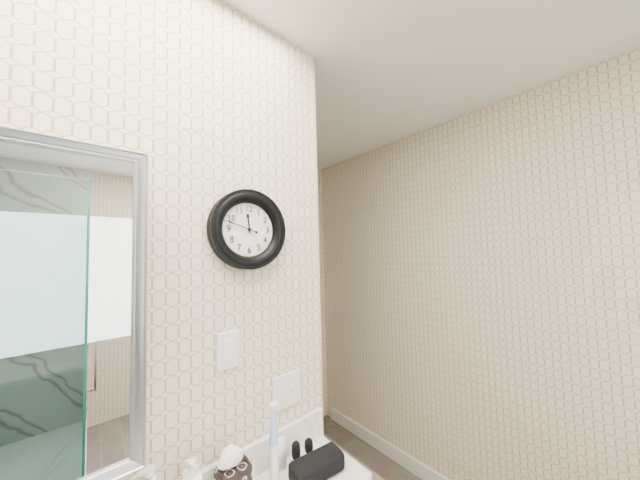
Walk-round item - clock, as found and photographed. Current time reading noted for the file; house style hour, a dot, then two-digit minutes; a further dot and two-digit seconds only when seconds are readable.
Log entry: 11.48
